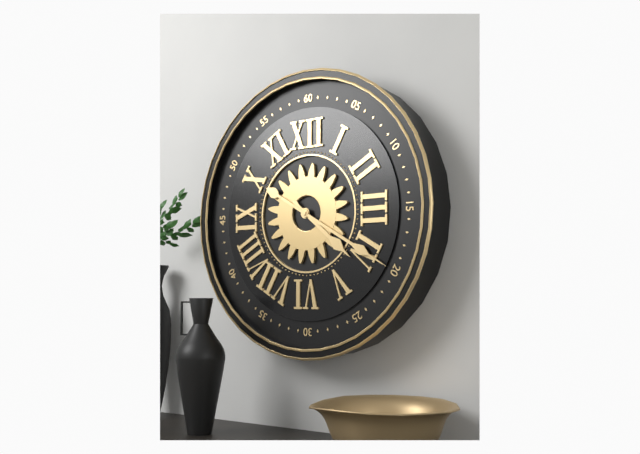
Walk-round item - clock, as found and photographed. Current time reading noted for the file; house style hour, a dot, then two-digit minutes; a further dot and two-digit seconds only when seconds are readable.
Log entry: 4.20
